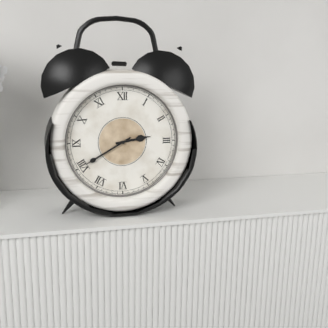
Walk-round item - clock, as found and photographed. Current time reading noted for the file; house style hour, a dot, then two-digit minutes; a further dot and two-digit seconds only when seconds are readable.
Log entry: 2.40
